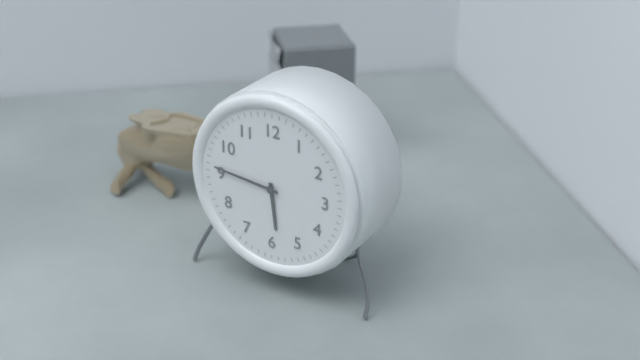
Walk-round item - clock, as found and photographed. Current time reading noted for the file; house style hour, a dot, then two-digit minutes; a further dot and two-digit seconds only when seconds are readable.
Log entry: 5.46
